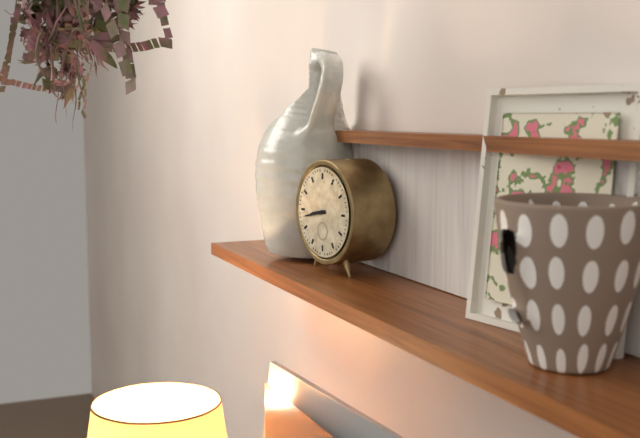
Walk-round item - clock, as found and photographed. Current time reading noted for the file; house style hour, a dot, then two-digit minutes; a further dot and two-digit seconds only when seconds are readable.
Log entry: 8.43
